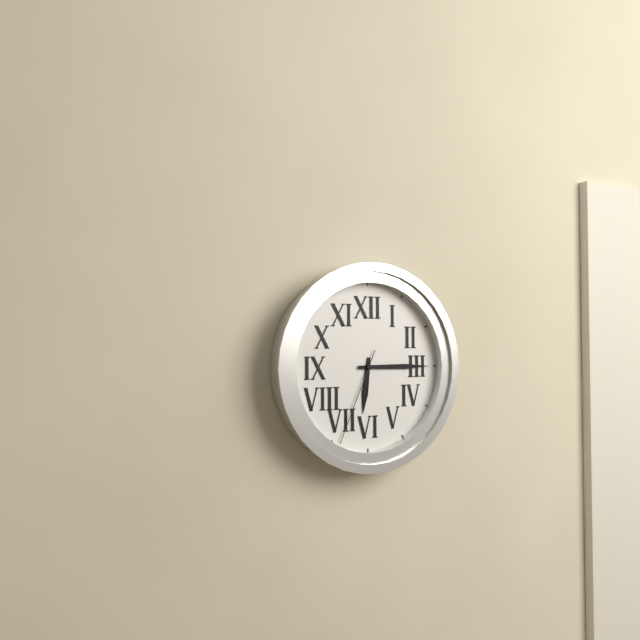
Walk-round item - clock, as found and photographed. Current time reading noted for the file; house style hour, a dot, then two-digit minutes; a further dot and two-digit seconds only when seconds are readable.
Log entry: 6.15.34
